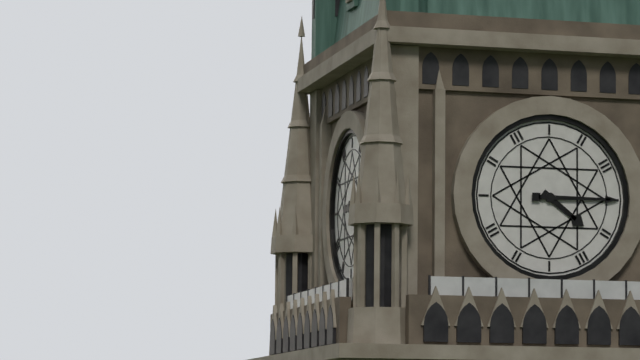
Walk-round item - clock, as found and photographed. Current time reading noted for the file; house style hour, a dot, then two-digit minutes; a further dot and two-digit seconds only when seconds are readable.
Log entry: 4.15
